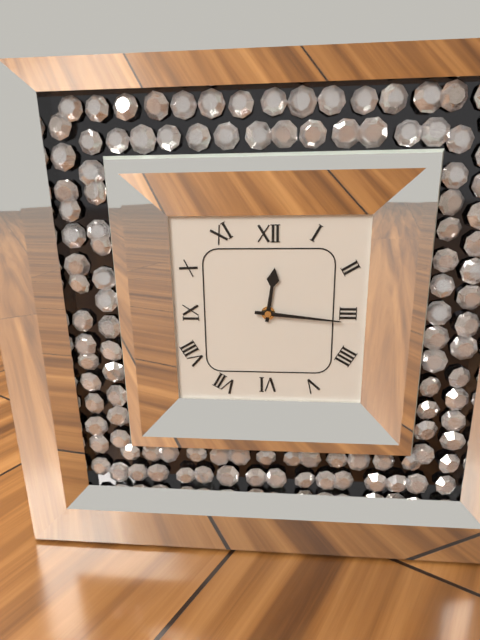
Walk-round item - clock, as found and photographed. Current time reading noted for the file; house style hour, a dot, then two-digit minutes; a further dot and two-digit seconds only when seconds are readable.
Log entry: 12.16
